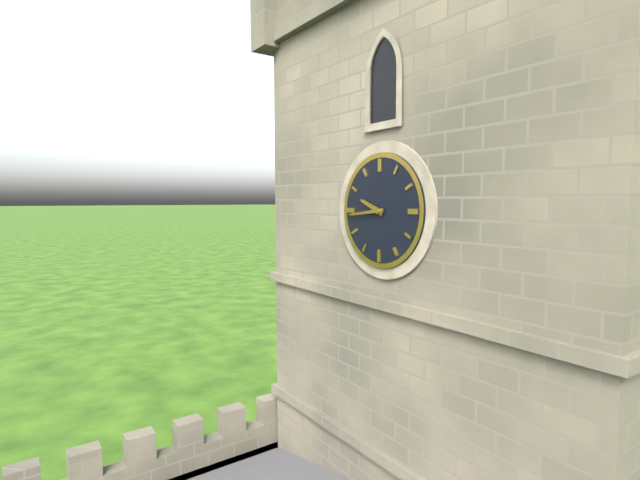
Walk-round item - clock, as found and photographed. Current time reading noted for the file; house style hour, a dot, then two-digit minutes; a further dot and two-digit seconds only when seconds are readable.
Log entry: 9.44
